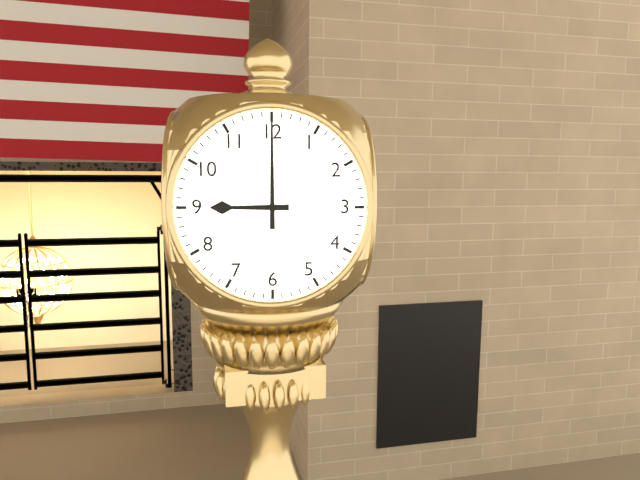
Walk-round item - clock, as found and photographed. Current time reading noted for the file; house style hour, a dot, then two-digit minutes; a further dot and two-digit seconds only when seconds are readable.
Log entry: 9.00
